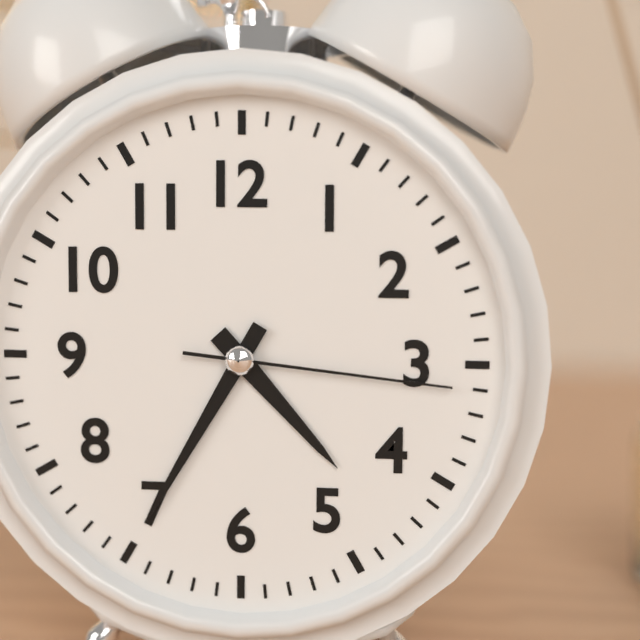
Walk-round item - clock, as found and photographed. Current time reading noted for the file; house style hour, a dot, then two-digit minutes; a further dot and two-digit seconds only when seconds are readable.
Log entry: 4.35.16
